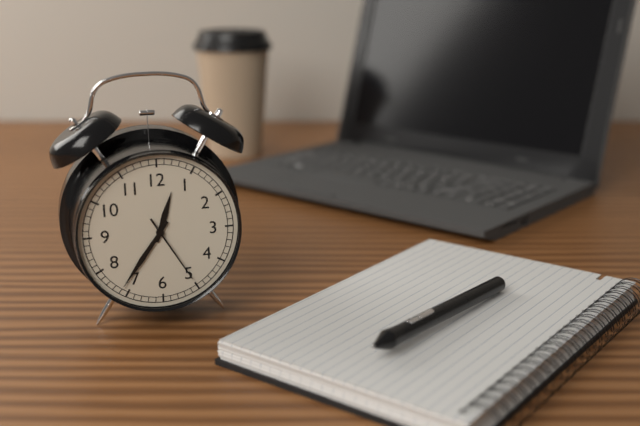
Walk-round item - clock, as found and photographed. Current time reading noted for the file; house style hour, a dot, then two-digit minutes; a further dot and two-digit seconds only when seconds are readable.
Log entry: 12.36.25
